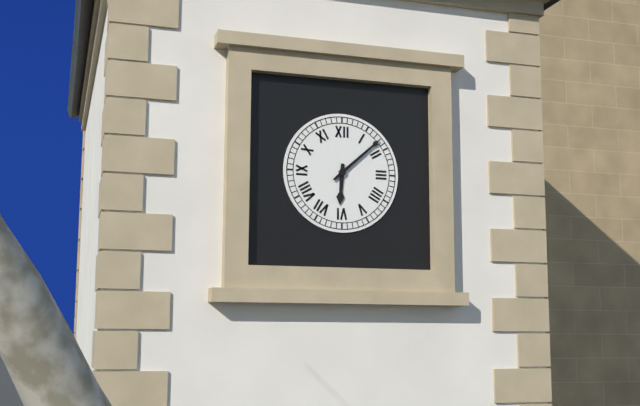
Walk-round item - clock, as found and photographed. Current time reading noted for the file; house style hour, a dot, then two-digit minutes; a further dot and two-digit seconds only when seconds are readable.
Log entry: 6.08
